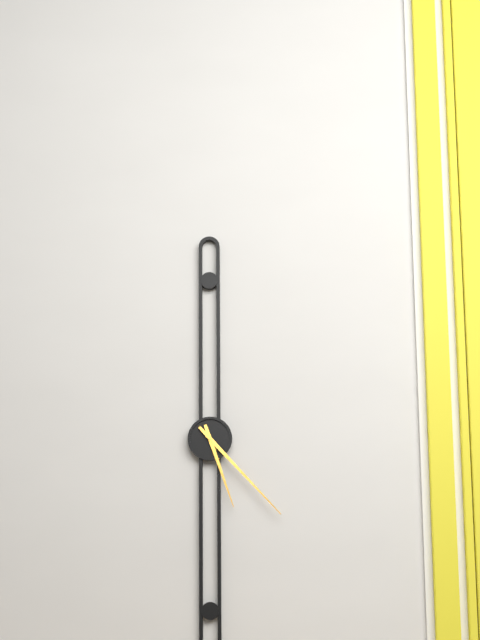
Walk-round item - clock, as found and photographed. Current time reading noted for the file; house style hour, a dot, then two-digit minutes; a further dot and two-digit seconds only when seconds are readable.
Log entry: 5.23
